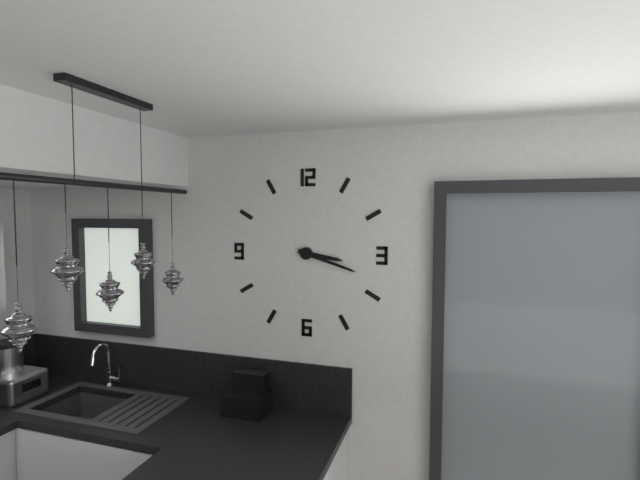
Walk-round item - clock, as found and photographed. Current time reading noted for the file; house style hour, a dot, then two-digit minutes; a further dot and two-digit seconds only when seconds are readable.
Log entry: 3.18
